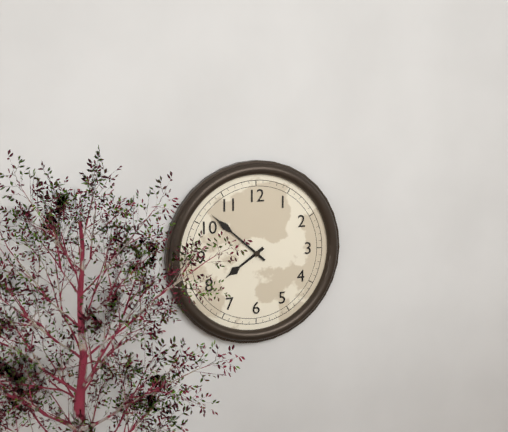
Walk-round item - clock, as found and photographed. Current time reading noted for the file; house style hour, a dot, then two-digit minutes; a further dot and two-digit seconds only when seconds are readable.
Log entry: 7.52
